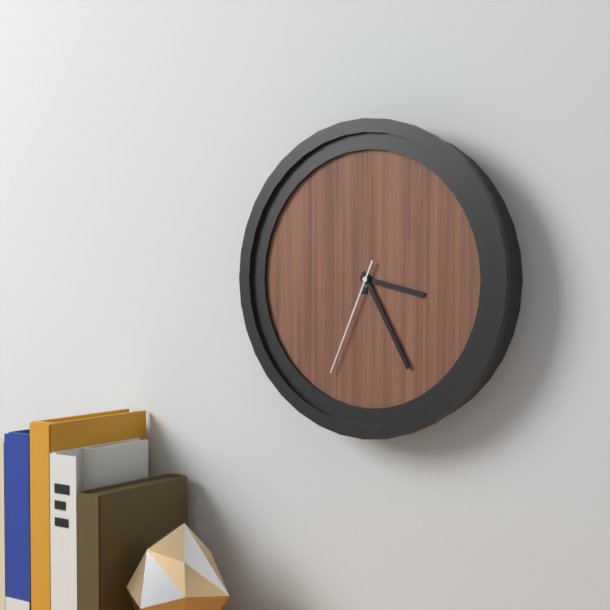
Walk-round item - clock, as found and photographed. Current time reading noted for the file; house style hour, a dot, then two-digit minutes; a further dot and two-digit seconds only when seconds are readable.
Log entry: 3.25.34
